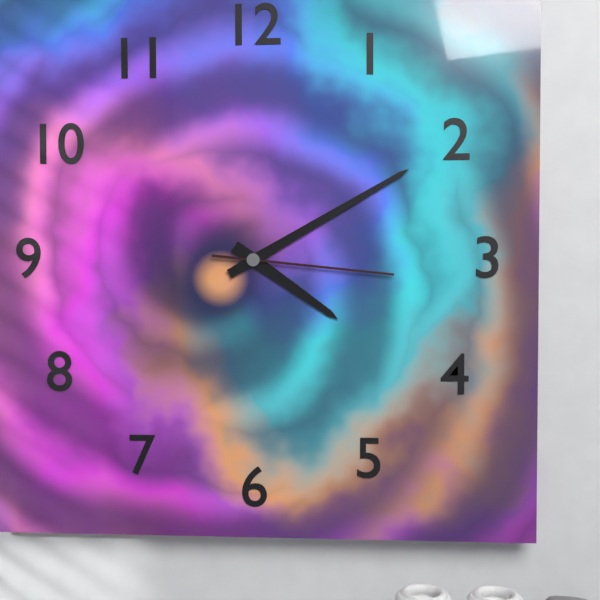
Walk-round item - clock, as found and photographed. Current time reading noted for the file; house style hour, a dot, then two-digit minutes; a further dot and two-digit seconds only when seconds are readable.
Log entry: 4.10.16
